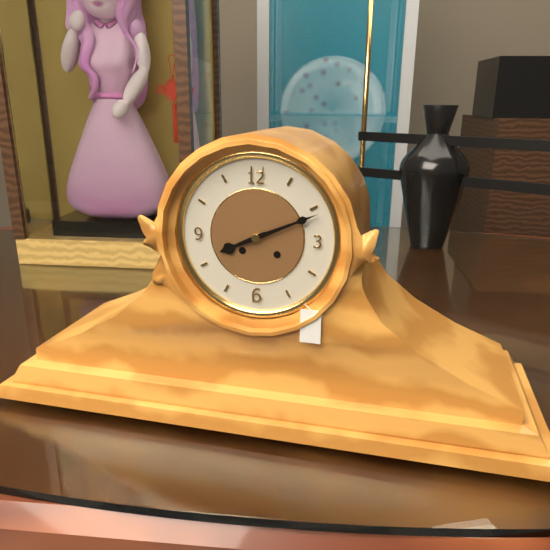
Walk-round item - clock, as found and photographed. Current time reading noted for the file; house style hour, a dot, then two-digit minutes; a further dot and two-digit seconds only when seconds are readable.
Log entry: 8.11
